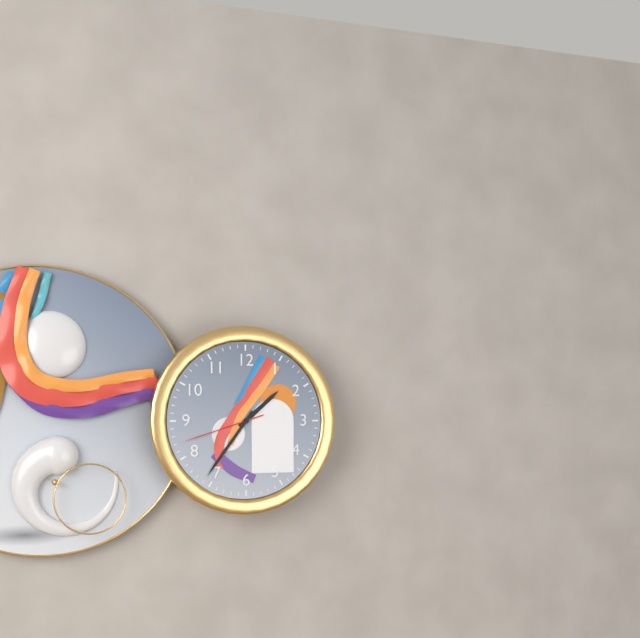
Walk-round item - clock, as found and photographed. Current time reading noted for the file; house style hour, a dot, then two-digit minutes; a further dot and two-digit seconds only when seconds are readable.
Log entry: 1.36.42
